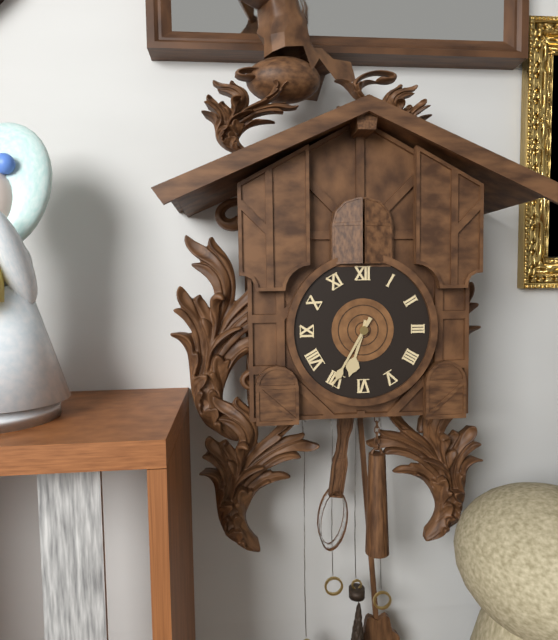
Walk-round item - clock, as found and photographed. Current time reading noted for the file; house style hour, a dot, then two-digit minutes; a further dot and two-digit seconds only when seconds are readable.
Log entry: 6.35
